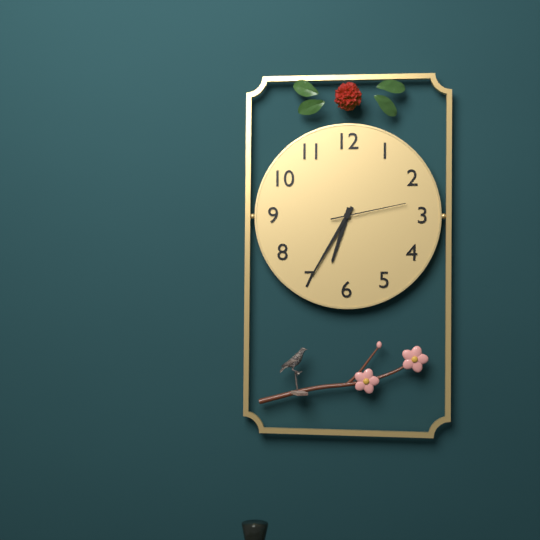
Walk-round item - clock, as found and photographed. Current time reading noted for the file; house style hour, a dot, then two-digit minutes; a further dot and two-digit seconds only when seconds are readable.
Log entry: 6.35.13
